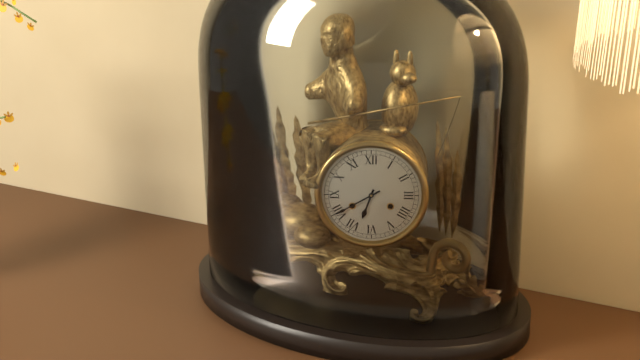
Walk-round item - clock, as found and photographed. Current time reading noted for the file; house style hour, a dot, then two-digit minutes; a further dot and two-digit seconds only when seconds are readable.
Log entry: 6.40
